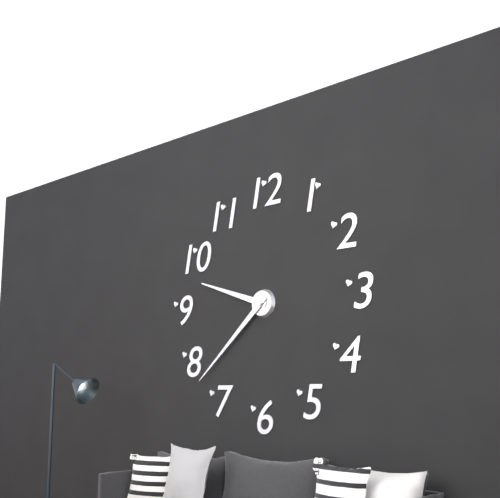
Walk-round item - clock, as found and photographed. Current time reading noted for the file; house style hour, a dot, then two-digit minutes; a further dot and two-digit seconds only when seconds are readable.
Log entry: 9.38
